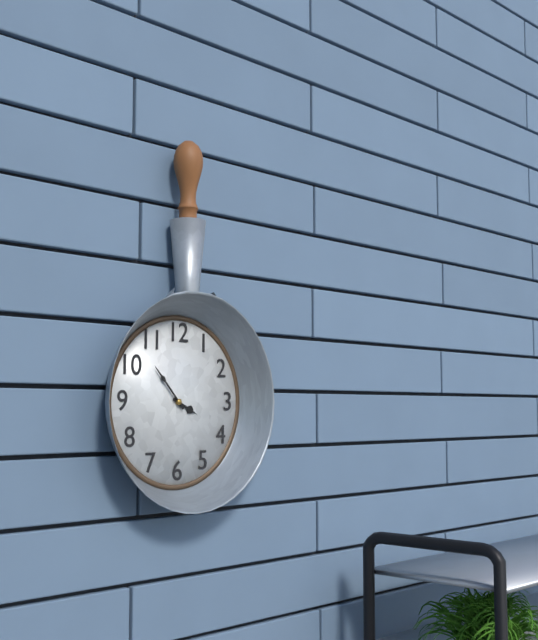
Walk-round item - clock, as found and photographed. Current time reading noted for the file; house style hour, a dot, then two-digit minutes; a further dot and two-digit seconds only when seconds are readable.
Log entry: 3.53
